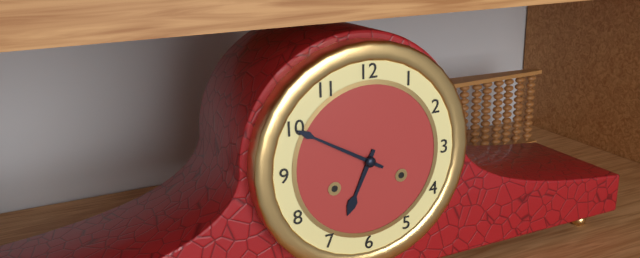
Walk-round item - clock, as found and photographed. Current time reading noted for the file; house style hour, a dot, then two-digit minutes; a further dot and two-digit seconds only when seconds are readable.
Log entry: 6.50
